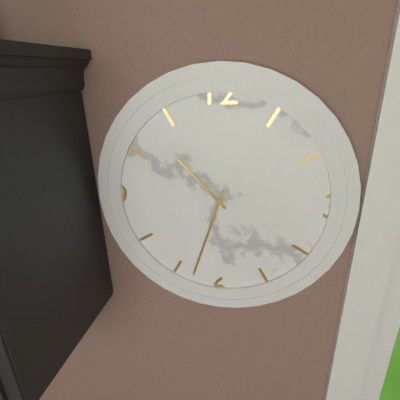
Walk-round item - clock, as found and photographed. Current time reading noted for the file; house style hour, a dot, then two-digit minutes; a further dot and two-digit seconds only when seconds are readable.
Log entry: 10.33
